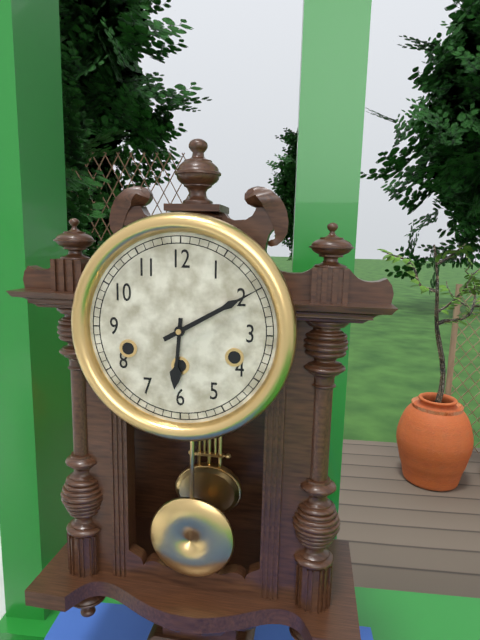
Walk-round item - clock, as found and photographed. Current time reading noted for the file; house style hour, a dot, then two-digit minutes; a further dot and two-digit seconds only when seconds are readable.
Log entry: 6.10
